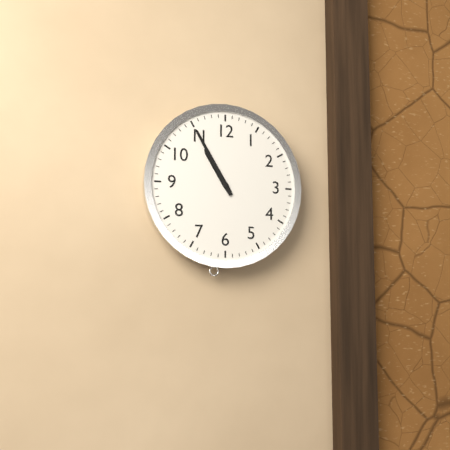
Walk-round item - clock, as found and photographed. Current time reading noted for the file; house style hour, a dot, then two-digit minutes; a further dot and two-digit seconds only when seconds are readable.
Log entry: 10.55
